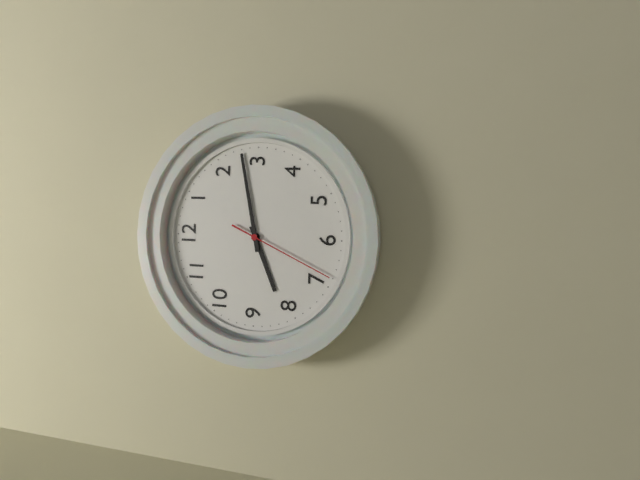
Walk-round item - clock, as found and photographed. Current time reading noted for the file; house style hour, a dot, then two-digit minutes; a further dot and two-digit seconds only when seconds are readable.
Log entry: 8.13.34
